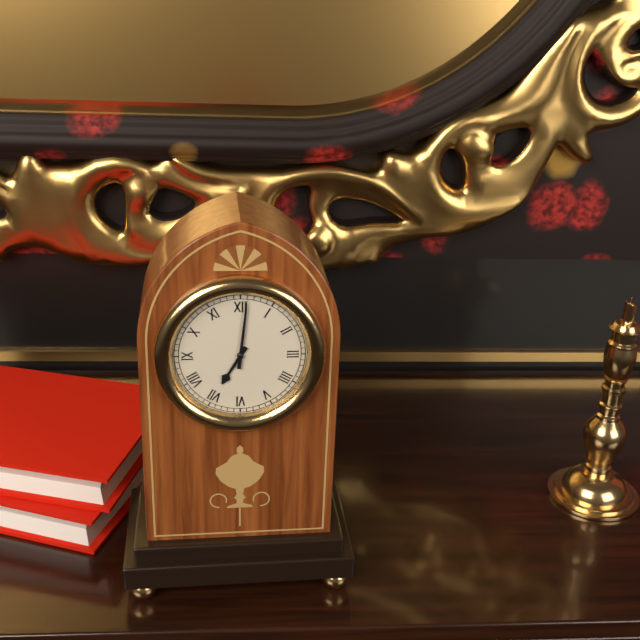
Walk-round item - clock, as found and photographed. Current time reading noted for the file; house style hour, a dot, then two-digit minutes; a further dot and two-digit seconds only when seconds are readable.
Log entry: 7.01
